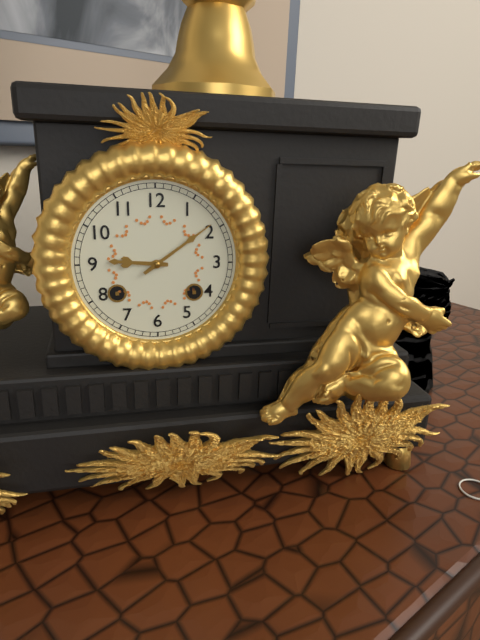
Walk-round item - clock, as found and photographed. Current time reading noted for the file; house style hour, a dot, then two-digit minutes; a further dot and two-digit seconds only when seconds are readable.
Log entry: 9.09
